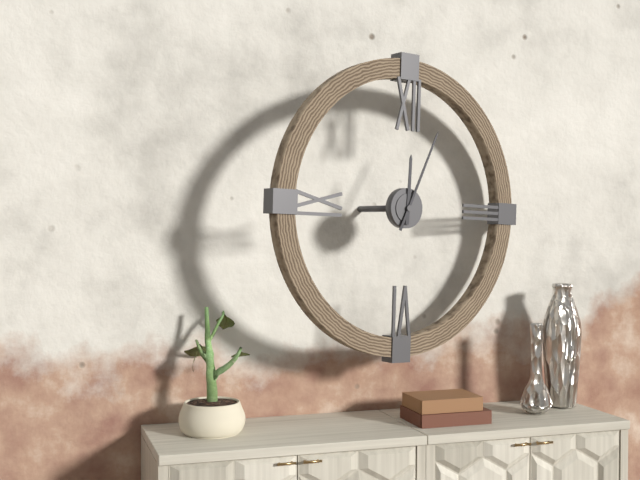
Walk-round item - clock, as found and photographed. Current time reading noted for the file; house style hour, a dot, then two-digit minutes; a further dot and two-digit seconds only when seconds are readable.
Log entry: 12.04
